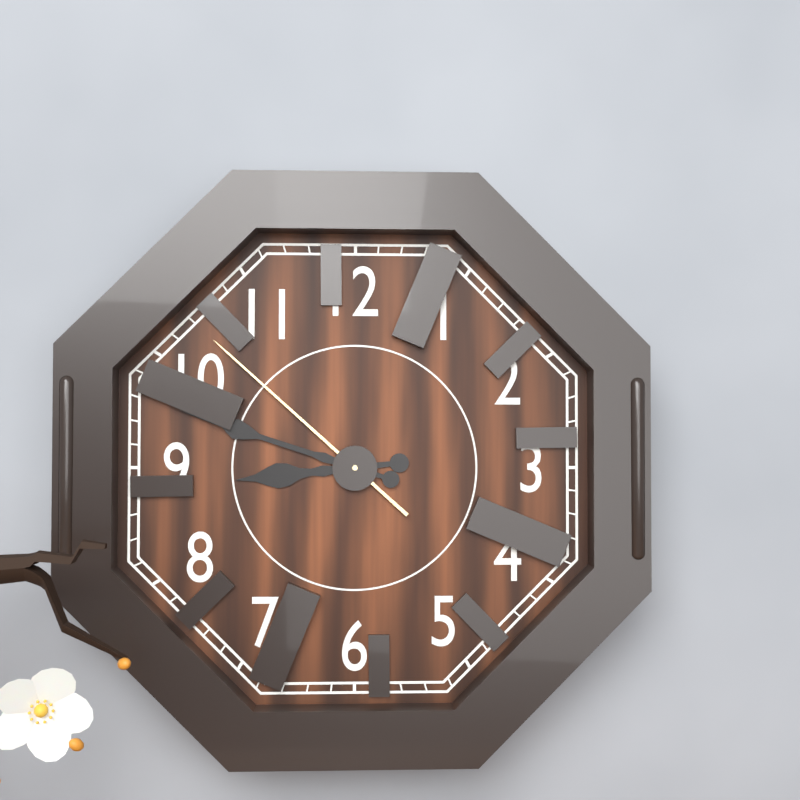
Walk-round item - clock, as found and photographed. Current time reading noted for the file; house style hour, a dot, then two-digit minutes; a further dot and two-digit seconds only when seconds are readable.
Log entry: 8.48.52
